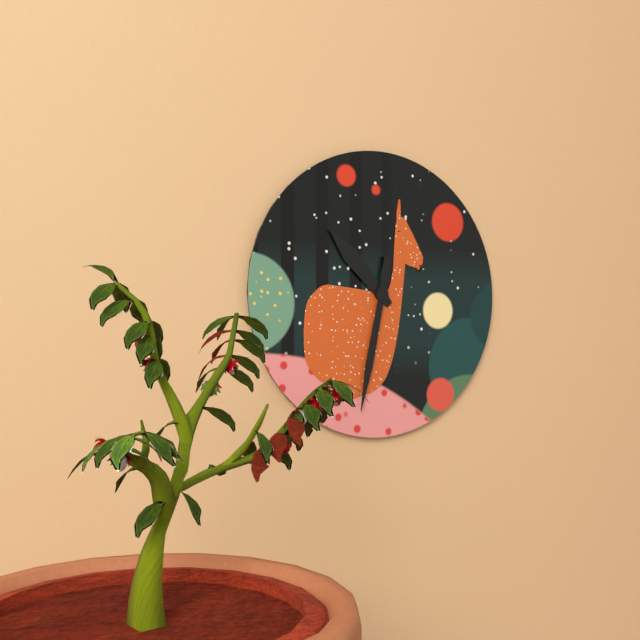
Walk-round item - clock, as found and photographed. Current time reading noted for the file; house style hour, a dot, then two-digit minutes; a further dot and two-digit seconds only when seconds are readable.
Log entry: 10.32
